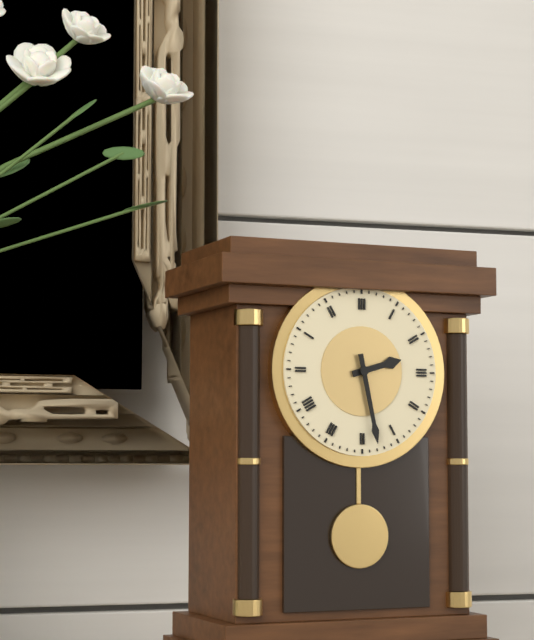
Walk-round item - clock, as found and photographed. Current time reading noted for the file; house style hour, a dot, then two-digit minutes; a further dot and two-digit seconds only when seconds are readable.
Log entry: 2.28
